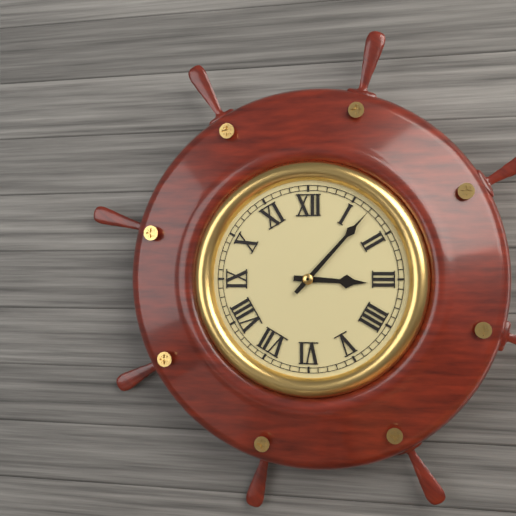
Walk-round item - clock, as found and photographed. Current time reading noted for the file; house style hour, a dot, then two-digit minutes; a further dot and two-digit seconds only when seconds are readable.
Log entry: 3.07
